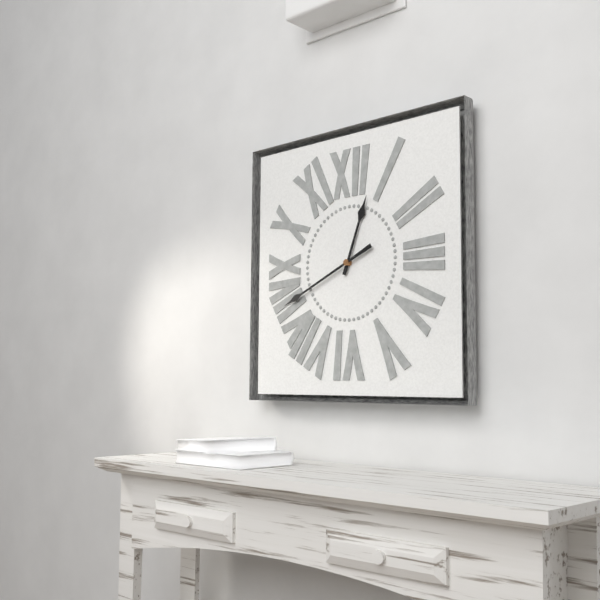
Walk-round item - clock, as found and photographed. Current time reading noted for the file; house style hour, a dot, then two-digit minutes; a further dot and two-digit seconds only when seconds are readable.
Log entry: 12.41
